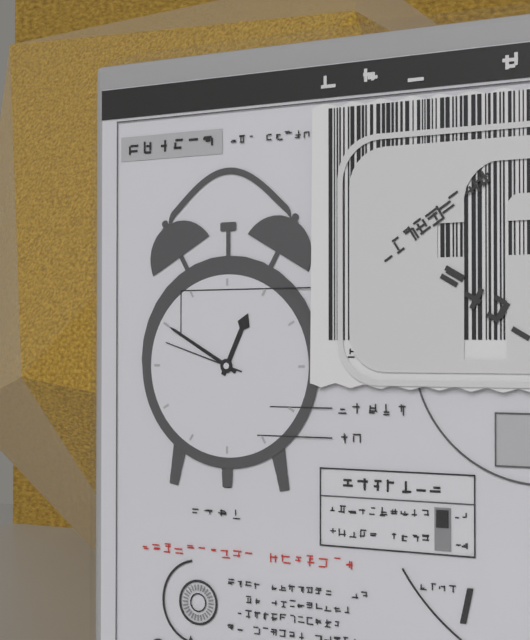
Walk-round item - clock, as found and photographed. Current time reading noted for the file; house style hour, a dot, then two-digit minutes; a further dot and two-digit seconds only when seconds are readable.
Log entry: 12.50.48
